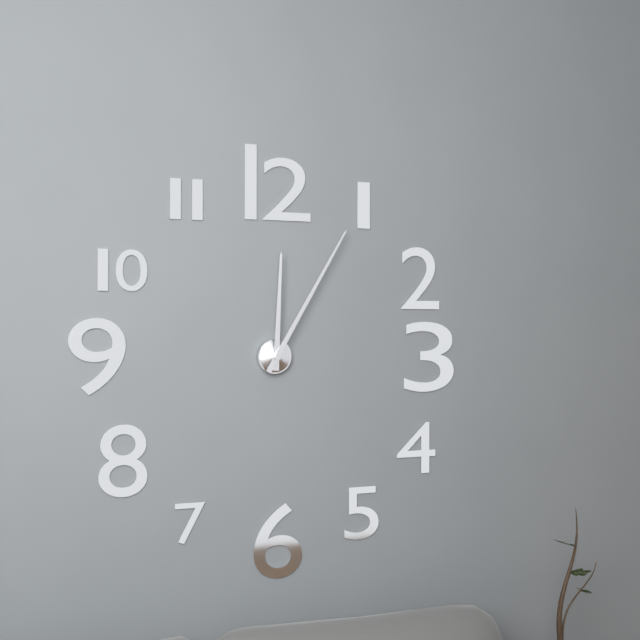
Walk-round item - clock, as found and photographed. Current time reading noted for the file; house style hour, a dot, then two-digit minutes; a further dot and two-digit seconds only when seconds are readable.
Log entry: 12.05
